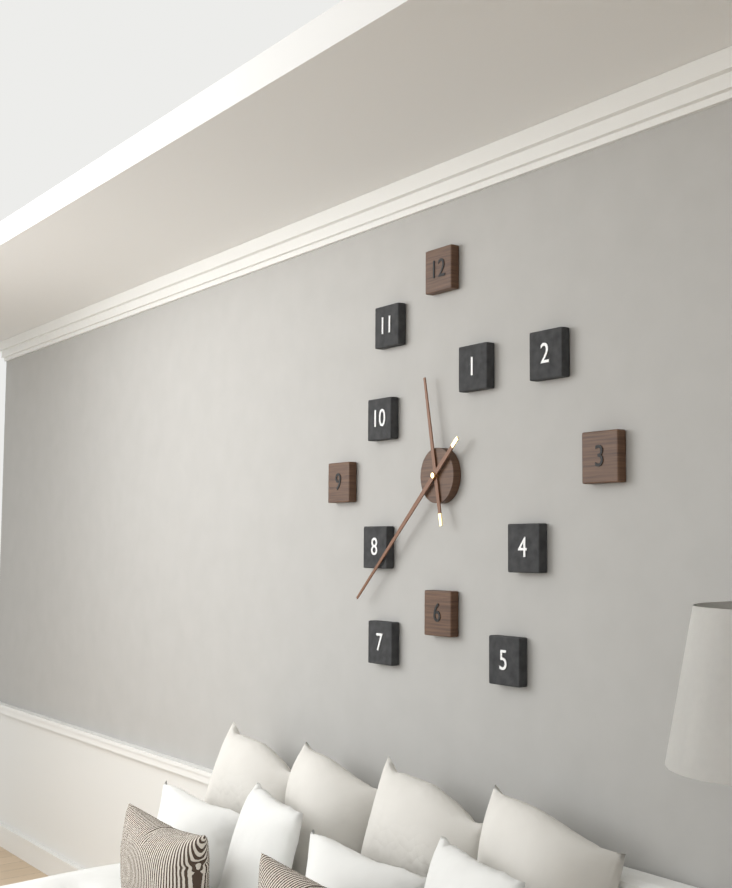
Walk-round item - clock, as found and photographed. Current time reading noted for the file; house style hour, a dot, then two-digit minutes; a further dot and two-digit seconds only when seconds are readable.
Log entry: 11.38
